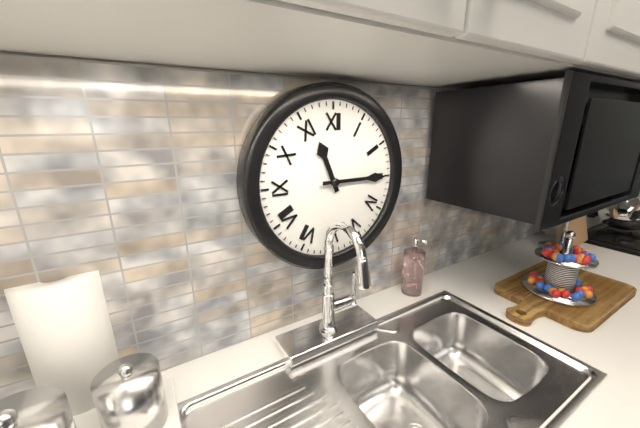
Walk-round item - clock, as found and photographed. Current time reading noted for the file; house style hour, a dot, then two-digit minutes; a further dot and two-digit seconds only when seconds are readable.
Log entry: 11.15
